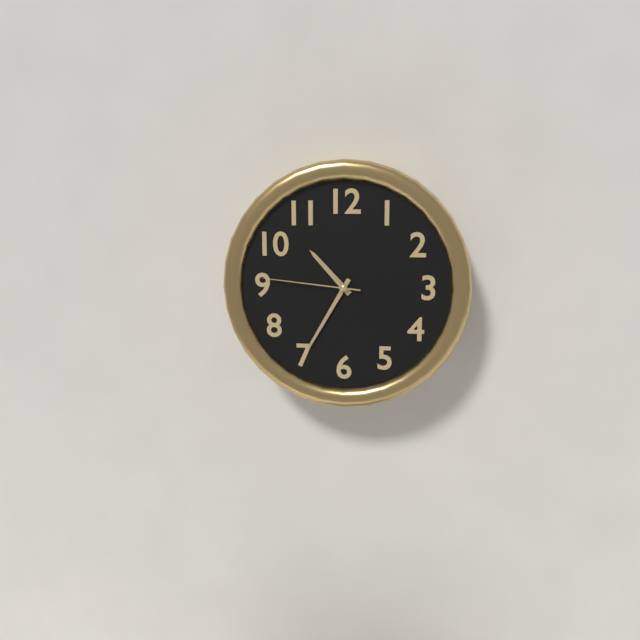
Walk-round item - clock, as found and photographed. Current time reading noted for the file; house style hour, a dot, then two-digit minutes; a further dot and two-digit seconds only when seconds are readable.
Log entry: 10.35.46
